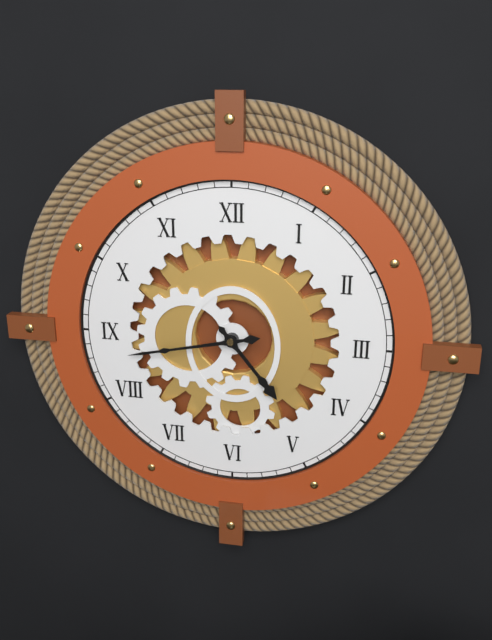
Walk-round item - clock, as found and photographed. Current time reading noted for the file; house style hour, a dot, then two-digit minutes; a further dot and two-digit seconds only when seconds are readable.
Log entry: 4.43
